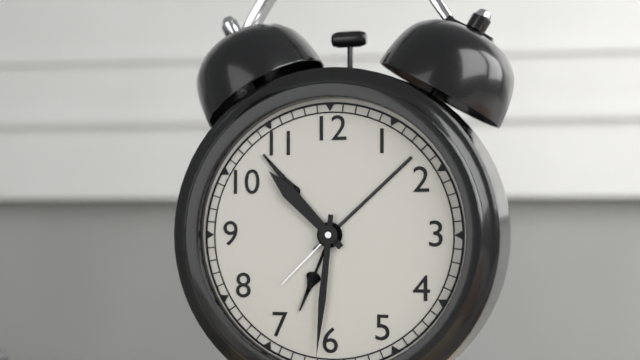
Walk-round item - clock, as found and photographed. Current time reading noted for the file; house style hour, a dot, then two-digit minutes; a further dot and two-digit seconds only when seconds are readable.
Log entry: 10.31
